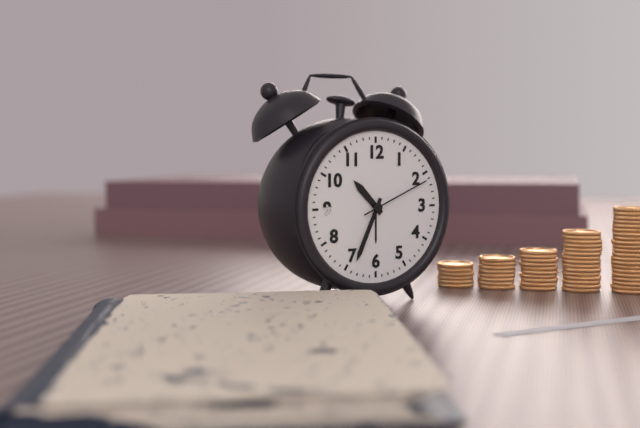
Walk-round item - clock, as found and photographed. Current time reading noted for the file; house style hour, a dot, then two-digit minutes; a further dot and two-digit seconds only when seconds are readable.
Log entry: 10.34.11
